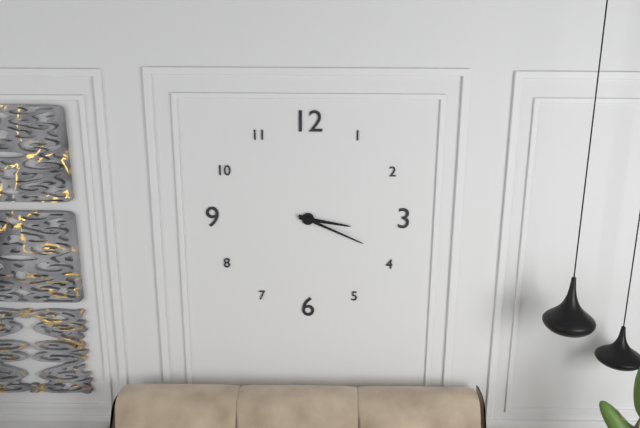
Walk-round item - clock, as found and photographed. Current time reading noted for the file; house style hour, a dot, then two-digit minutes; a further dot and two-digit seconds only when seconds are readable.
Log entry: 3.19
